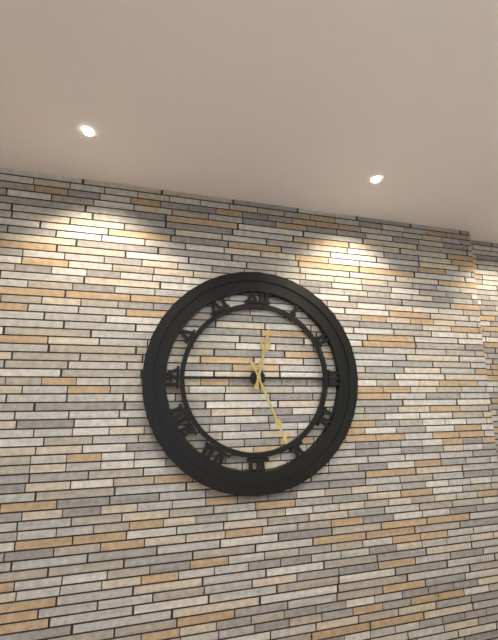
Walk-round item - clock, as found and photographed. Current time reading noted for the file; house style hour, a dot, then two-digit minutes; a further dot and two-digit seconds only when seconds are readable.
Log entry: 12.26
